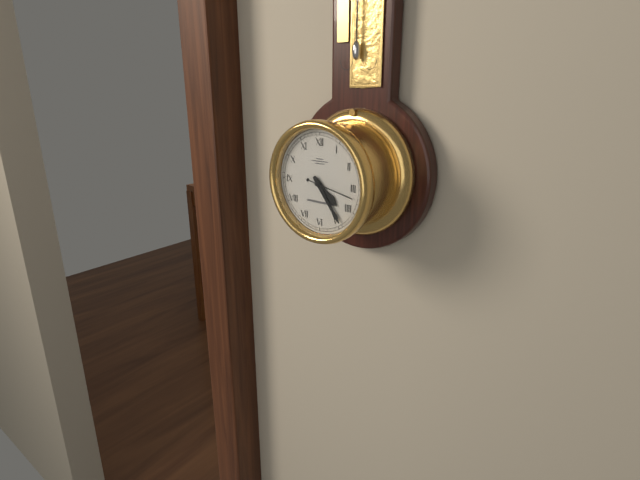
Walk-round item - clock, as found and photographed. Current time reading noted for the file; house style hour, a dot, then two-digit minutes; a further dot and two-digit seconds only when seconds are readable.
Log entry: 4.24
